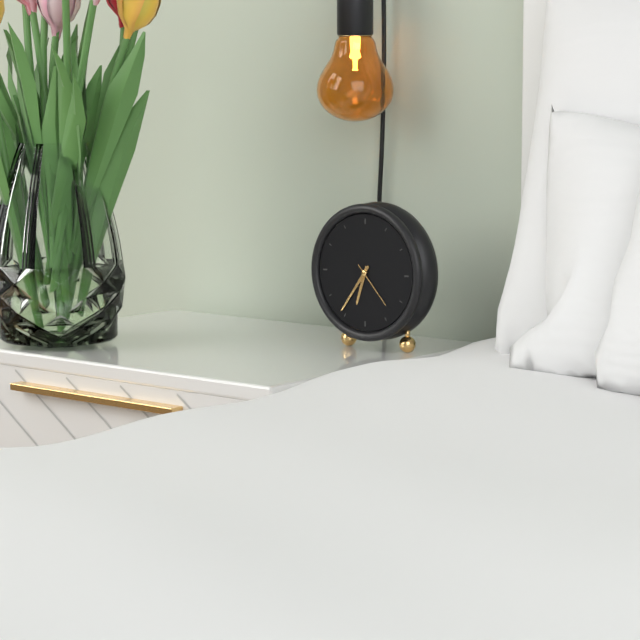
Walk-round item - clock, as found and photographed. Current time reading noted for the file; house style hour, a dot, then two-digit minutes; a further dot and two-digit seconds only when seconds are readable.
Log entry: 6.36
